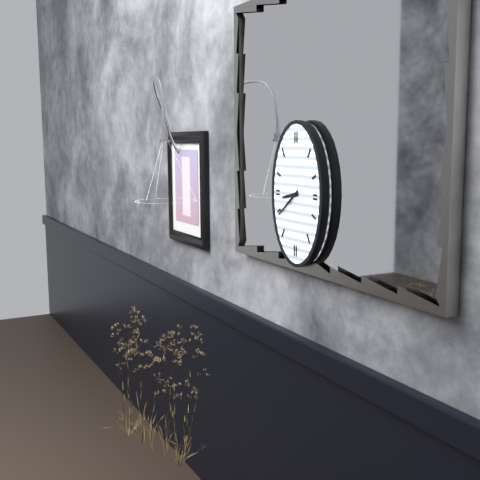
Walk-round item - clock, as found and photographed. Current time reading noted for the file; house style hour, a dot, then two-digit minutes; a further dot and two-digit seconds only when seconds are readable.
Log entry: 8.39
